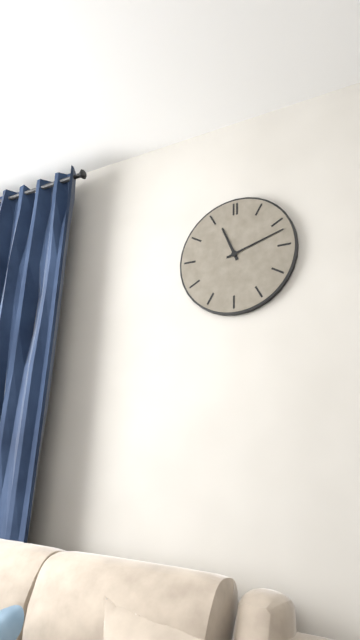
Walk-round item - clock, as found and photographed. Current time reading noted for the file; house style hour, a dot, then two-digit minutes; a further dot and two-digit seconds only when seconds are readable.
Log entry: 11.12
